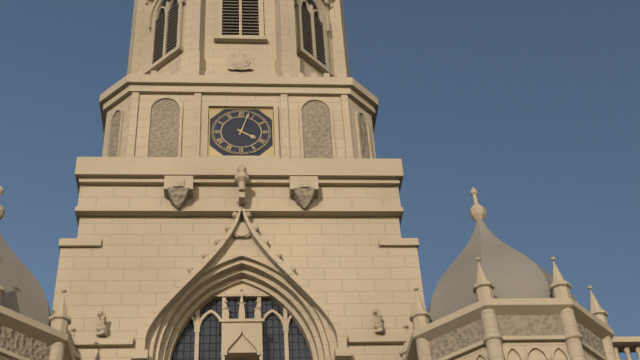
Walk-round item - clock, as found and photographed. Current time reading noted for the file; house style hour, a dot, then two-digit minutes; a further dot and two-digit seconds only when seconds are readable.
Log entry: 4.03
